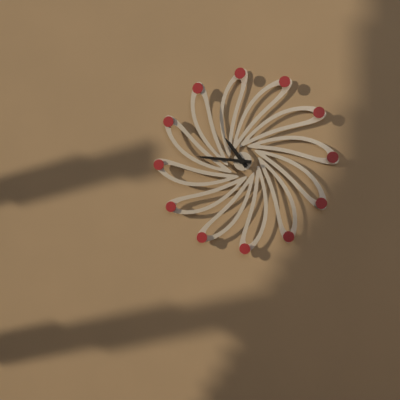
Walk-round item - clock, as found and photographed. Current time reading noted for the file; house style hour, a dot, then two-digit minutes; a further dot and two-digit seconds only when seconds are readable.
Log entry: 10.46
